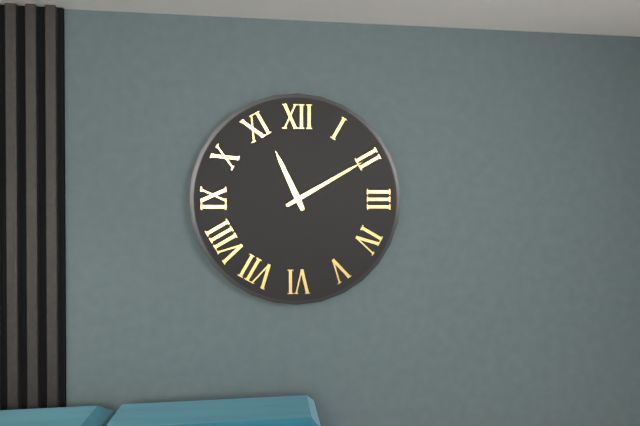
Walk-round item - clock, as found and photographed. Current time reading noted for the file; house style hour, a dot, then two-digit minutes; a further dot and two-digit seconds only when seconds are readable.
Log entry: 11.10
